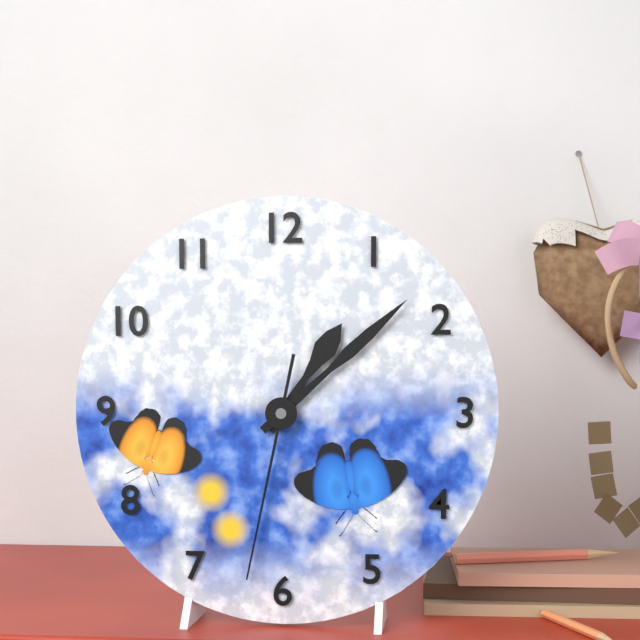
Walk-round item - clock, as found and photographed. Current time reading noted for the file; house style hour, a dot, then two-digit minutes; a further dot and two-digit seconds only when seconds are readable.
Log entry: 1.08.32
